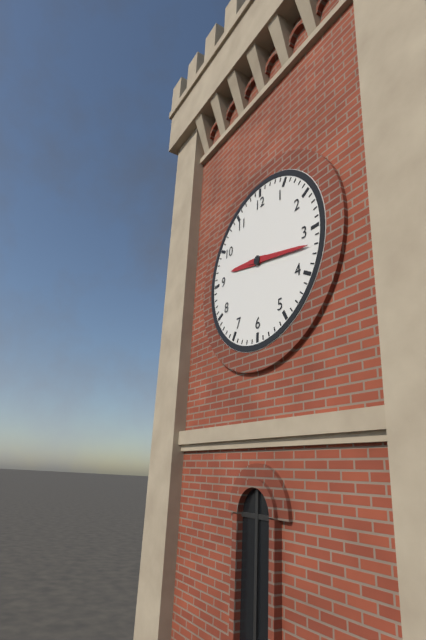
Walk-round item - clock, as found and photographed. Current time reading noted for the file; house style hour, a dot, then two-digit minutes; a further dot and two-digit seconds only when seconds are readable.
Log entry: 9.17
